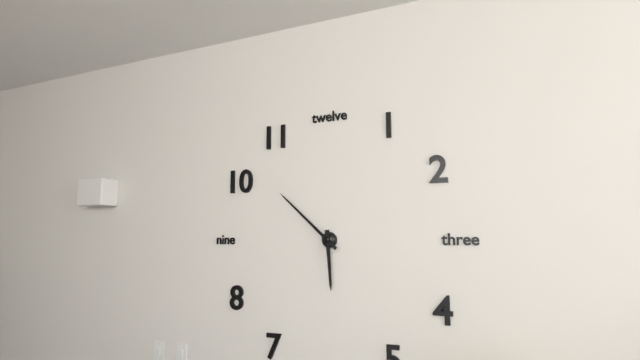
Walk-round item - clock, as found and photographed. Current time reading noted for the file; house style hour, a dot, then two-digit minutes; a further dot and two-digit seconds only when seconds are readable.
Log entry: 5.52
